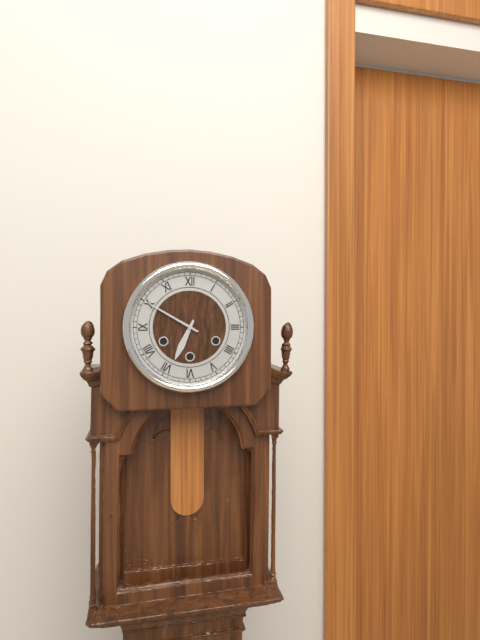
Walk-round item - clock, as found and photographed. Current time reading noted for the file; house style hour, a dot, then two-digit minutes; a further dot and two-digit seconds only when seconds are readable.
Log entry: 6.50
